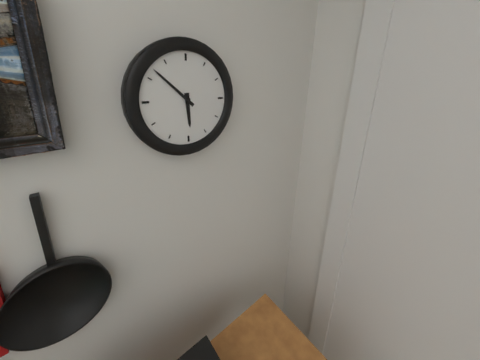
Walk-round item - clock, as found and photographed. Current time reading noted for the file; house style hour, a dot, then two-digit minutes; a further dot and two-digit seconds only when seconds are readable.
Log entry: 5.52
